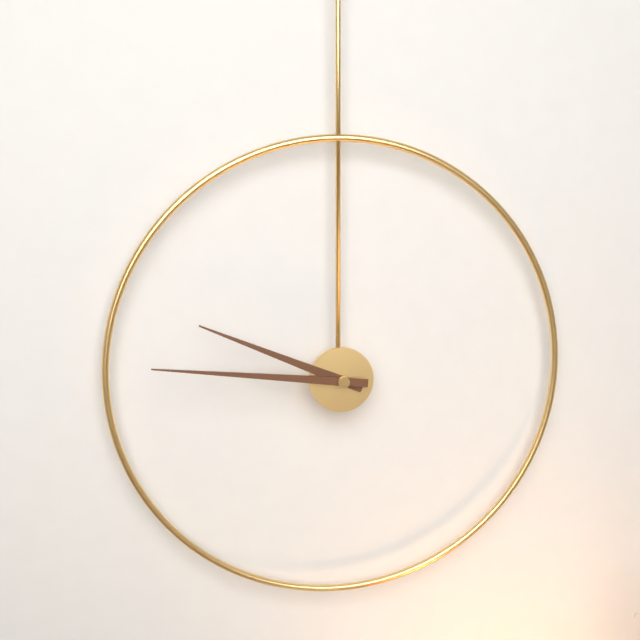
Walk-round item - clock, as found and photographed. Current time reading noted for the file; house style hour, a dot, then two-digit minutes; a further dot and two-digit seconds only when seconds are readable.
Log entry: 9.46
